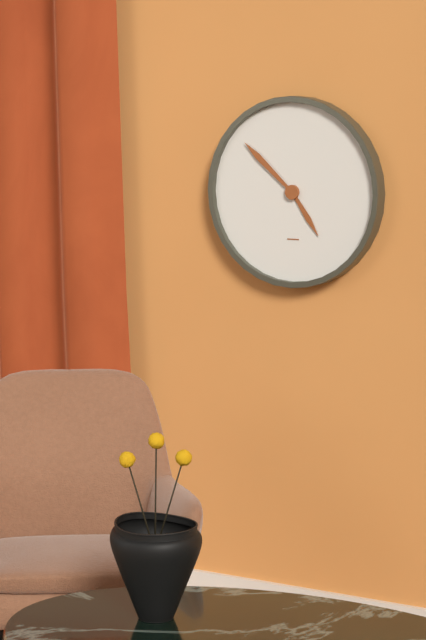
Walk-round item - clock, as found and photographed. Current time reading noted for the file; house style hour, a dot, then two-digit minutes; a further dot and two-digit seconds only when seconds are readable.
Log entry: 4.52
